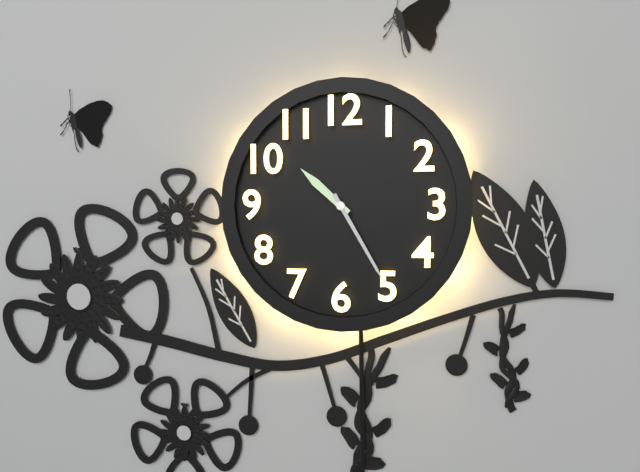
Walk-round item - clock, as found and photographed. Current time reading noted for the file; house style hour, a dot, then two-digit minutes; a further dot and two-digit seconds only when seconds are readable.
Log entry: 10.25
